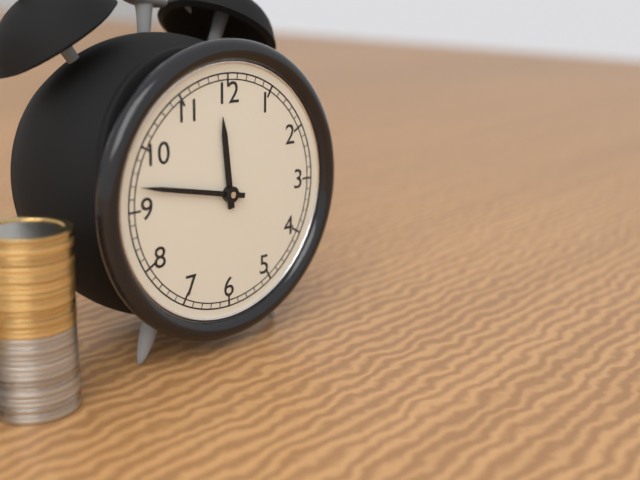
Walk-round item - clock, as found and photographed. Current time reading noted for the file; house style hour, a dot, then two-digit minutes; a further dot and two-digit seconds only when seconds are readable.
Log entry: 11.47
